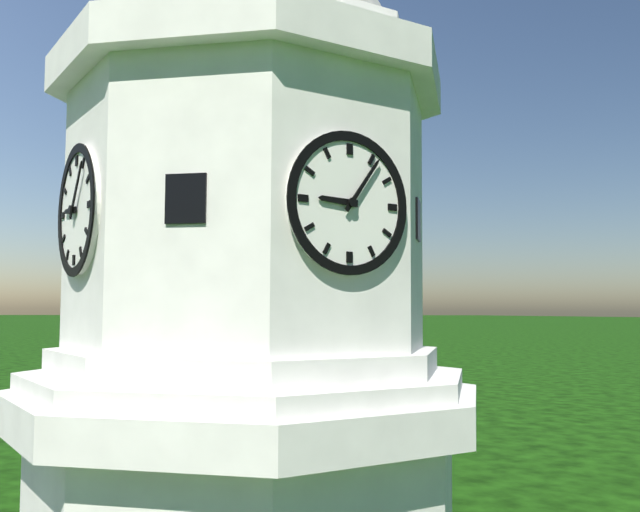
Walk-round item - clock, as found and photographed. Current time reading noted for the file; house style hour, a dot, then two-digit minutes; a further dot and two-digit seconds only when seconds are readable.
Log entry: 9.06
